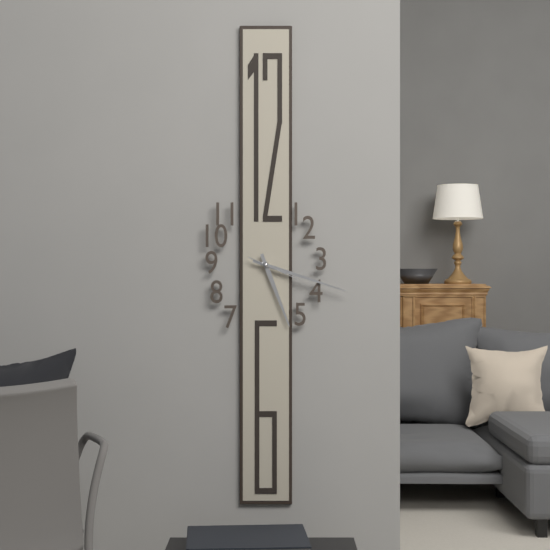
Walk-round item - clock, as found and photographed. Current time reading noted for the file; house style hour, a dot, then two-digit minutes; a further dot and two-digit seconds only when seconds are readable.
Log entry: 5.18
